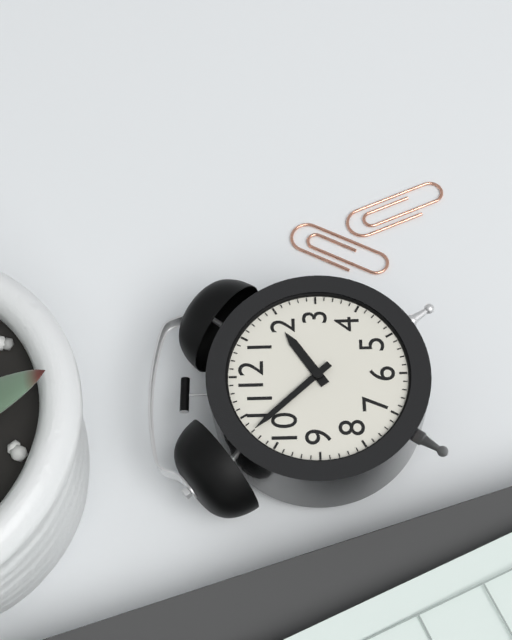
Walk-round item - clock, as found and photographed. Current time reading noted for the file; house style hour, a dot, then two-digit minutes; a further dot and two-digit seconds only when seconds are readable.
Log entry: 1.53
